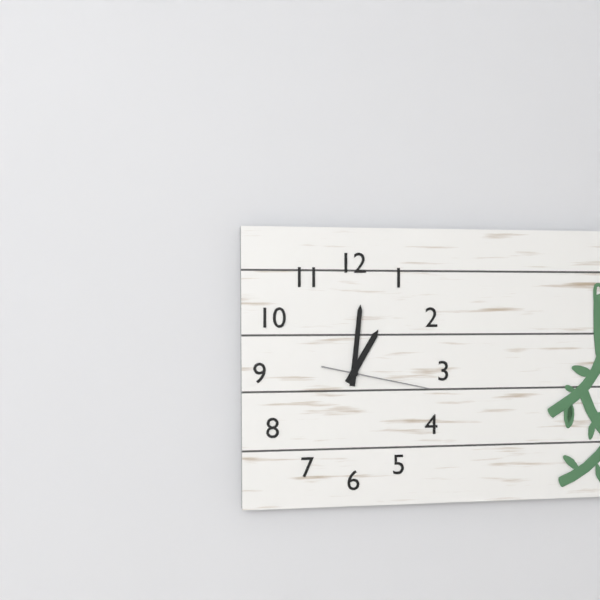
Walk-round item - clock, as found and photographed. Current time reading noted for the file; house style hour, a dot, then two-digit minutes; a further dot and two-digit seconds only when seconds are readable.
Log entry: 1.01.17
